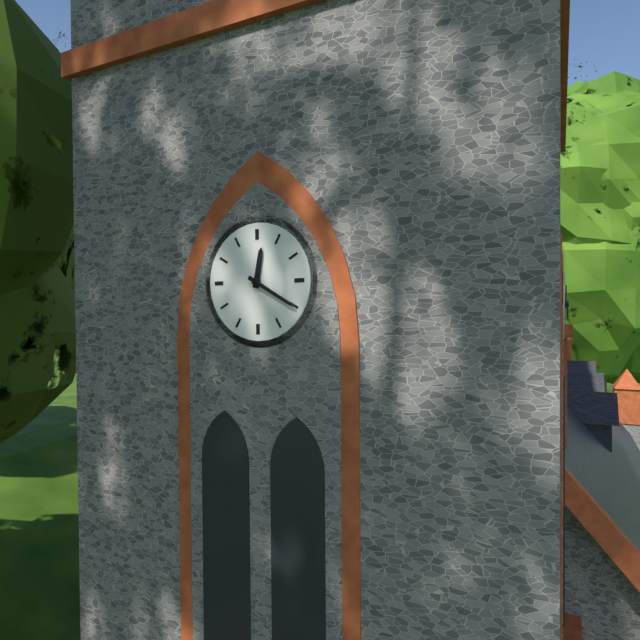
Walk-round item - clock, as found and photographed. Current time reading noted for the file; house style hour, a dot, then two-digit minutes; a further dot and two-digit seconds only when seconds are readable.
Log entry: 12.20
